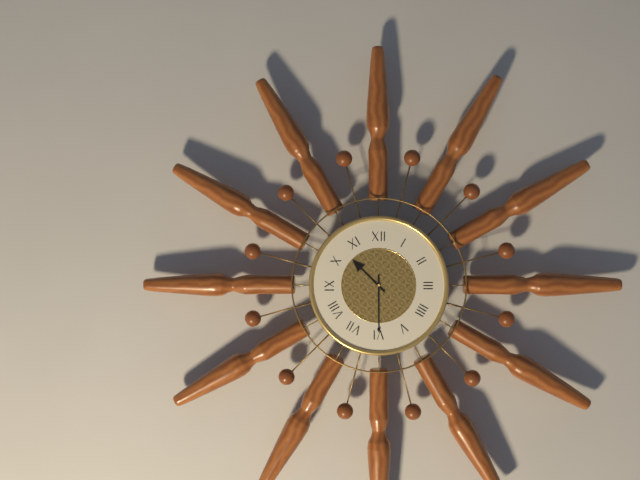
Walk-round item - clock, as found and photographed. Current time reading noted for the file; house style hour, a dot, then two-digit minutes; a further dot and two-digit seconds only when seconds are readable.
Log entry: 10.30
